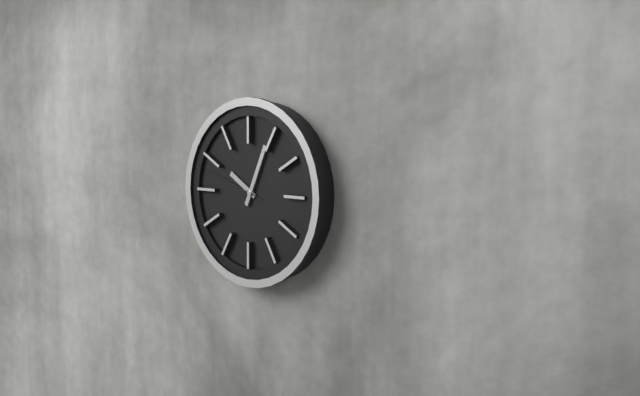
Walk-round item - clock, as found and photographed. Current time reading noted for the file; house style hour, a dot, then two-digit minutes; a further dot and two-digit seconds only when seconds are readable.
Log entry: 10.04.48
